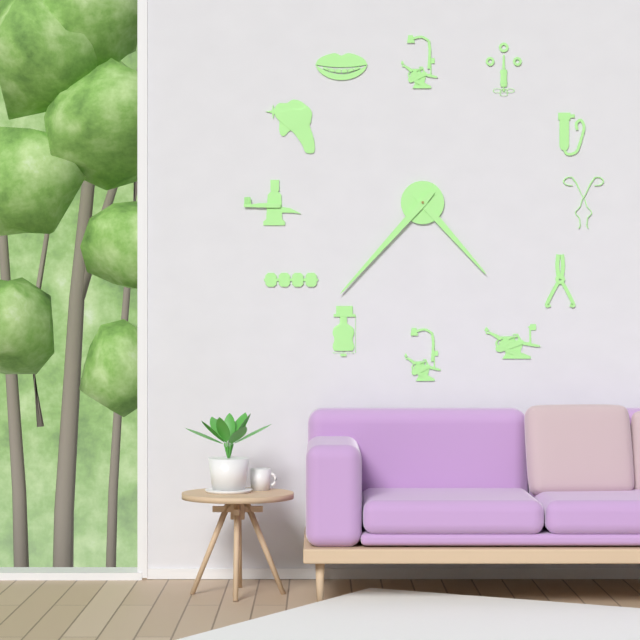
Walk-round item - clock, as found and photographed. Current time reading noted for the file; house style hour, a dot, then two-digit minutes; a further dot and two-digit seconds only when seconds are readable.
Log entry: 4.37
